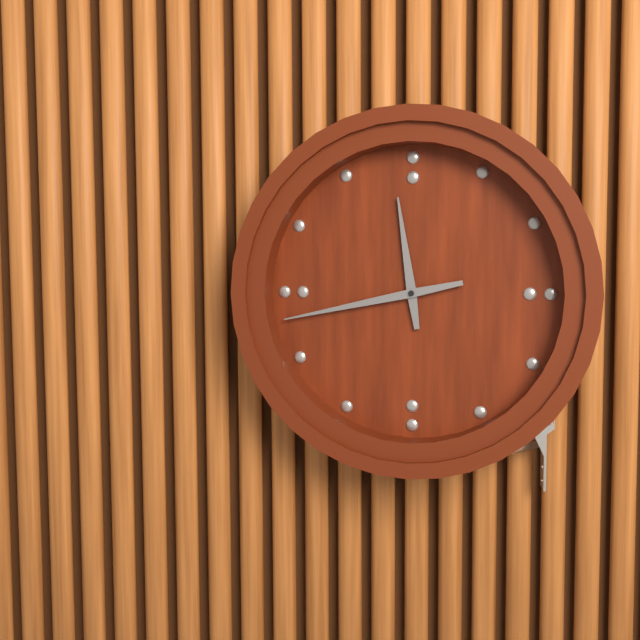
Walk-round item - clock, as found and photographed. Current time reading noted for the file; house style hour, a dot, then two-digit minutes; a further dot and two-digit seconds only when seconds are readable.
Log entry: 11.43
